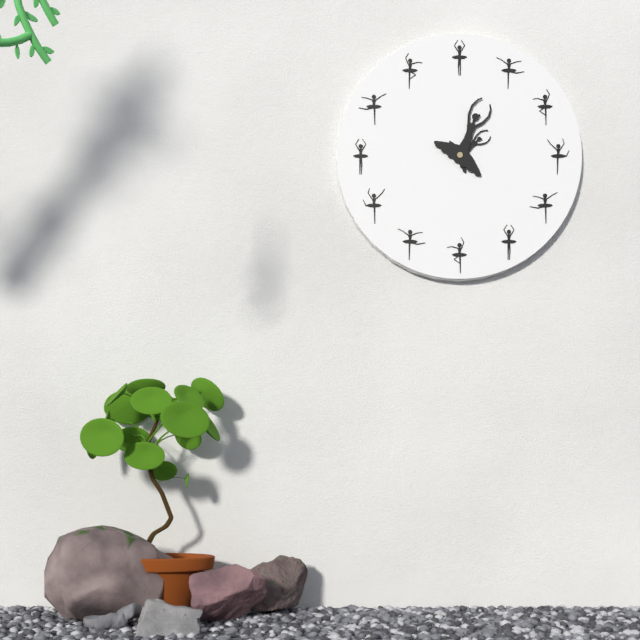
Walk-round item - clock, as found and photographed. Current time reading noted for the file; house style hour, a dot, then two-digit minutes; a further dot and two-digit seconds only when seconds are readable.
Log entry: 2.06
